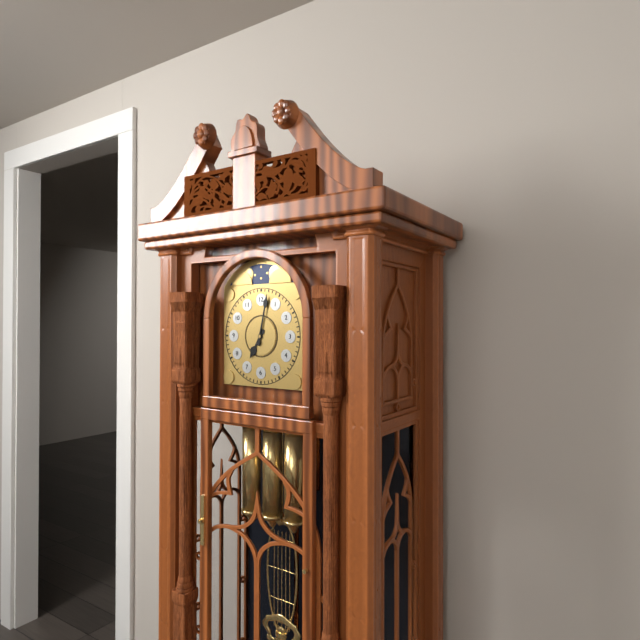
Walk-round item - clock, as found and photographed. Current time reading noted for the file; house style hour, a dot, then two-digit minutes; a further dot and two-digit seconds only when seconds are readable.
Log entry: 7.02
